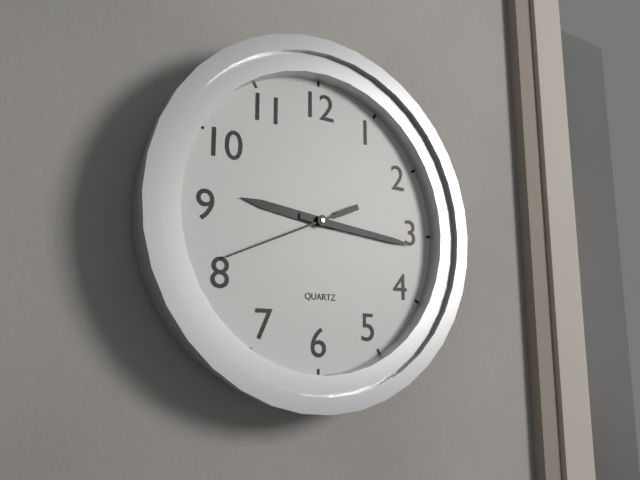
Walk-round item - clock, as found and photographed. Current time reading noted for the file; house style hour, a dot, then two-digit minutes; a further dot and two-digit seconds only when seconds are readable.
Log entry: 9.16.41
